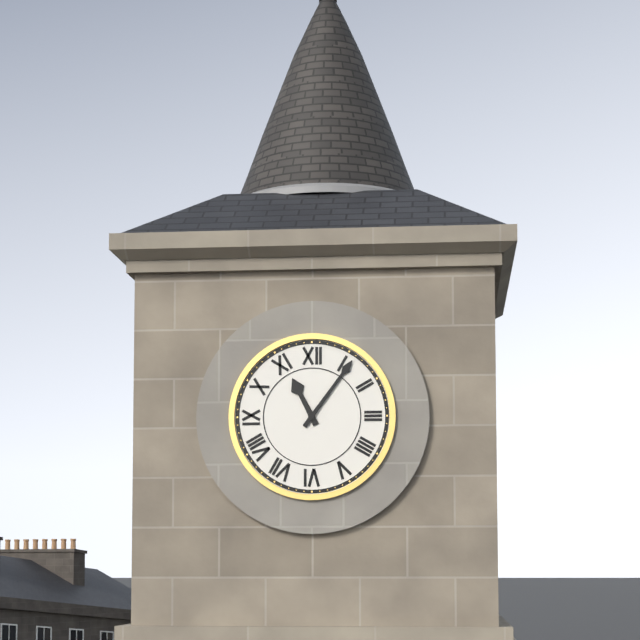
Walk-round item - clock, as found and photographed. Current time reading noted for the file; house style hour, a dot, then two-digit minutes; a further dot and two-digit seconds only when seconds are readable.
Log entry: 11.06
